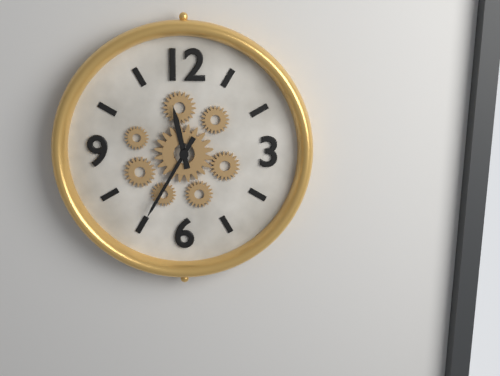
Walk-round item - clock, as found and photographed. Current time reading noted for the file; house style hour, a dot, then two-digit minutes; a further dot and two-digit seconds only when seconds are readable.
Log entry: 11.35
